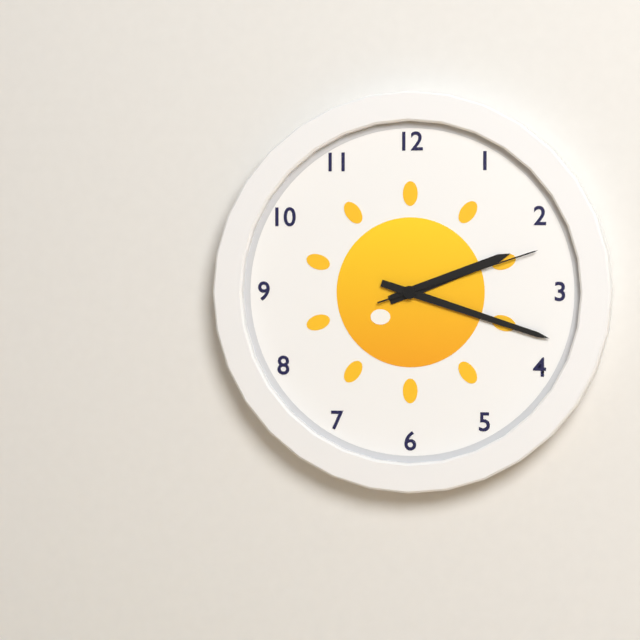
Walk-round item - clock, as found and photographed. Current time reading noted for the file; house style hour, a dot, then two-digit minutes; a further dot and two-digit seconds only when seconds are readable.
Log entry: 2.18.12
